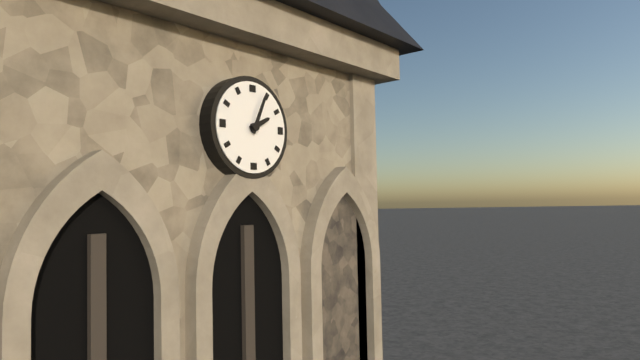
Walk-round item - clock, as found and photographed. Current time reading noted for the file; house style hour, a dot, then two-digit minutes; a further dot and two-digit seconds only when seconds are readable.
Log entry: 2.04
